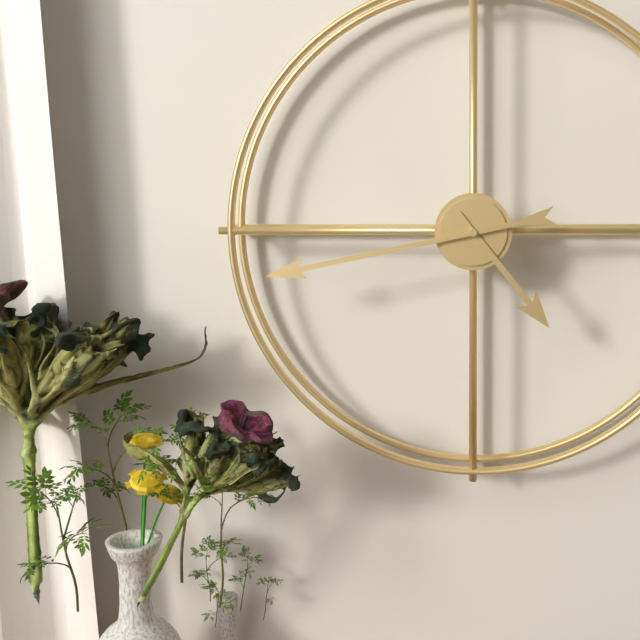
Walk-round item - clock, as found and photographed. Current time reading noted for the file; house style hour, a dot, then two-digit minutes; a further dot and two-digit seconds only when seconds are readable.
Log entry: 4.43
